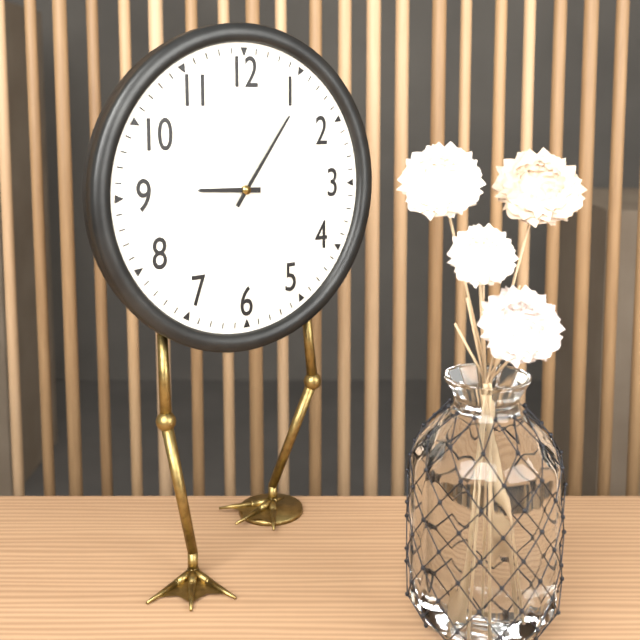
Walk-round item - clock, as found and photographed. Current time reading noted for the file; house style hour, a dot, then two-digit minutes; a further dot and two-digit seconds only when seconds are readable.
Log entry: 9.06
